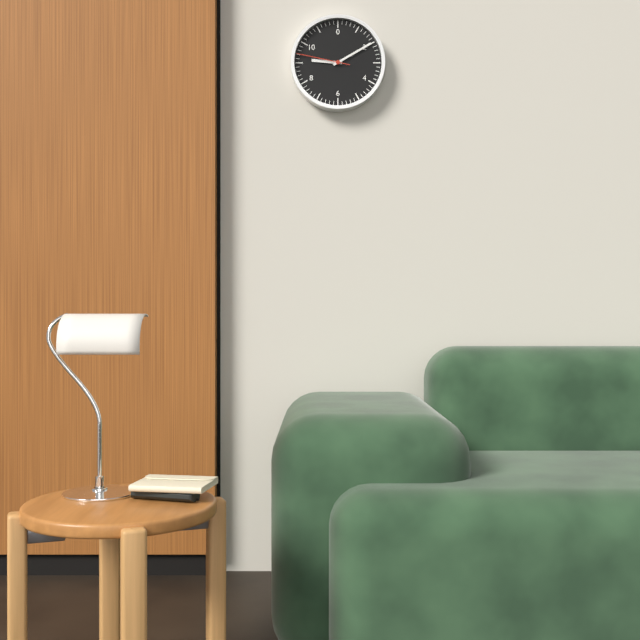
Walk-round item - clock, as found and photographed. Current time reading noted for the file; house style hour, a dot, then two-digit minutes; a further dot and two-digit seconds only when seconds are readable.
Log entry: 9.10.47
